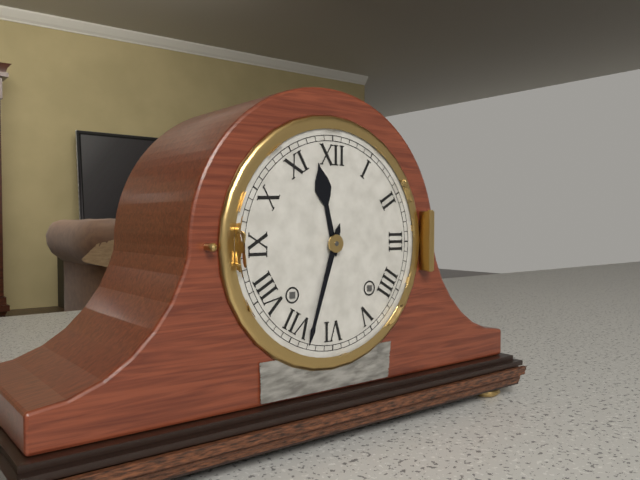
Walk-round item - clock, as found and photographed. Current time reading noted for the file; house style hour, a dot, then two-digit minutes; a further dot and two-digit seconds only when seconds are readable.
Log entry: 11.33
